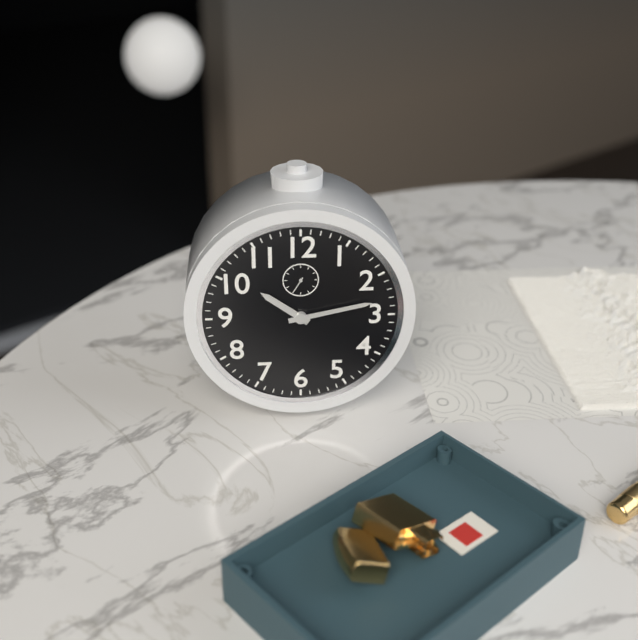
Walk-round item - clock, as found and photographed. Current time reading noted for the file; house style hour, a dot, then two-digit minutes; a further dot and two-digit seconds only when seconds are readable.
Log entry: 10.13
